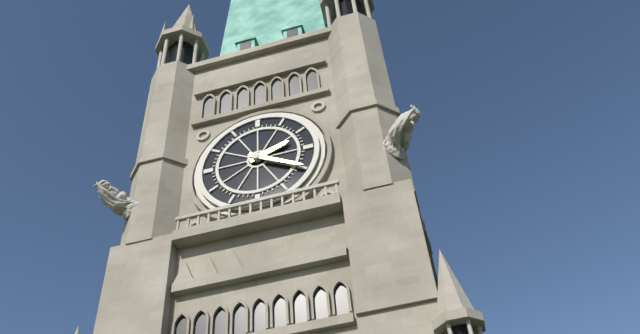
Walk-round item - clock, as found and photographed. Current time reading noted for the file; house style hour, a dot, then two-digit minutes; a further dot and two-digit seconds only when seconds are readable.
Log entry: 2.20
